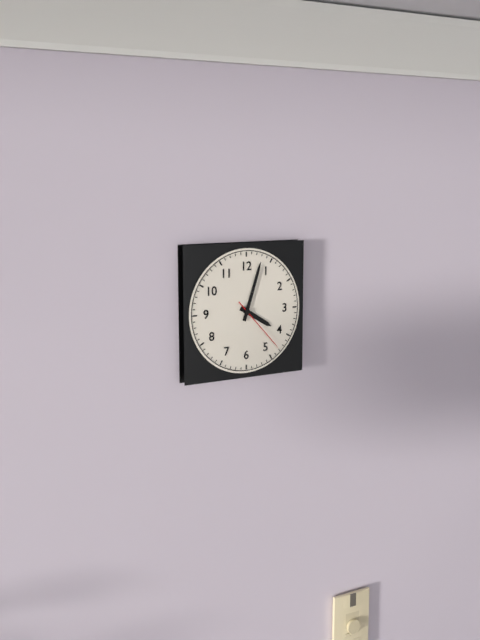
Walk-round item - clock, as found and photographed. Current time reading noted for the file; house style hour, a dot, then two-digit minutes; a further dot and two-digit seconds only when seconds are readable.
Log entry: 4.03.23
